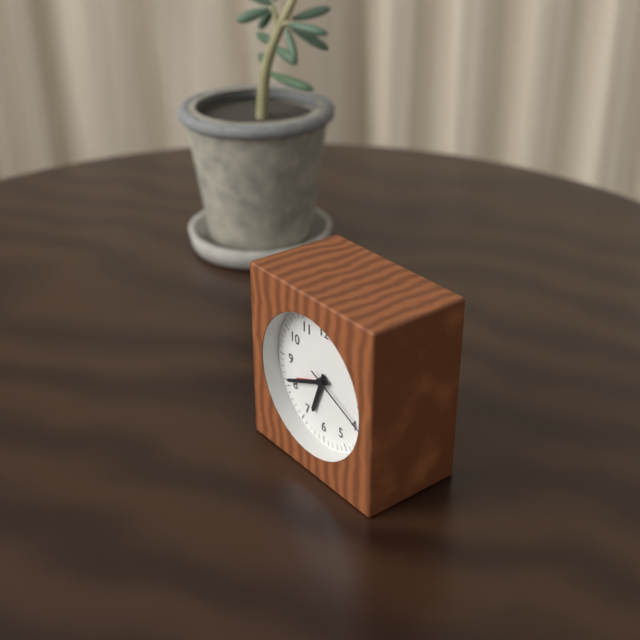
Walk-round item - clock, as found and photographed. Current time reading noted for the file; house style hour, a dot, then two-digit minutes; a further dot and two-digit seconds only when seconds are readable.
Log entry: 6.41.19
